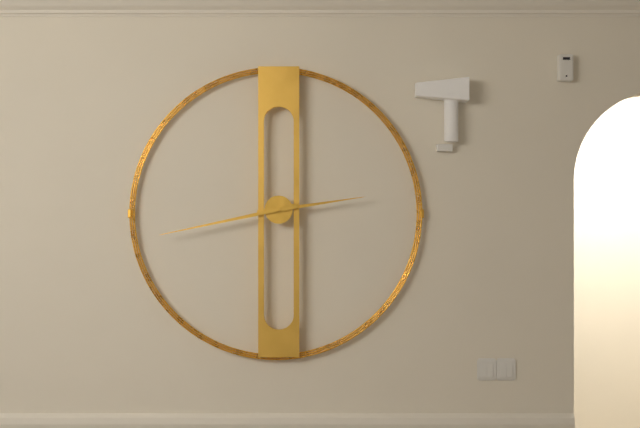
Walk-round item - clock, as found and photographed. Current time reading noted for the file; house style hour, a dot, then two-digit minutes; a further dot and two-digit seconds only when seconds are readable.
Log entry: 2.43
